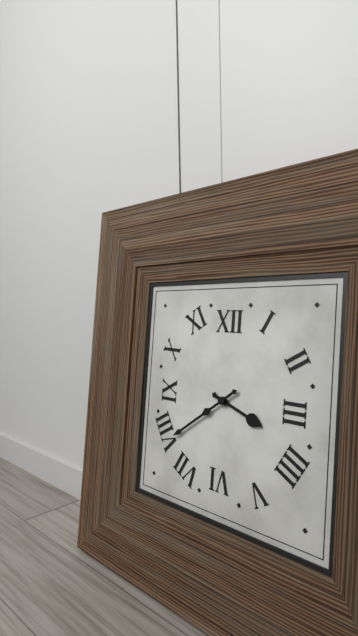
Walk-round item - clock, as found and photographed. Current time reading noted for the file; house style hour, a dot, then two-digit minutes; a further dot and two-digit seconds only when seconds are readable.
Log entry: 3.39
